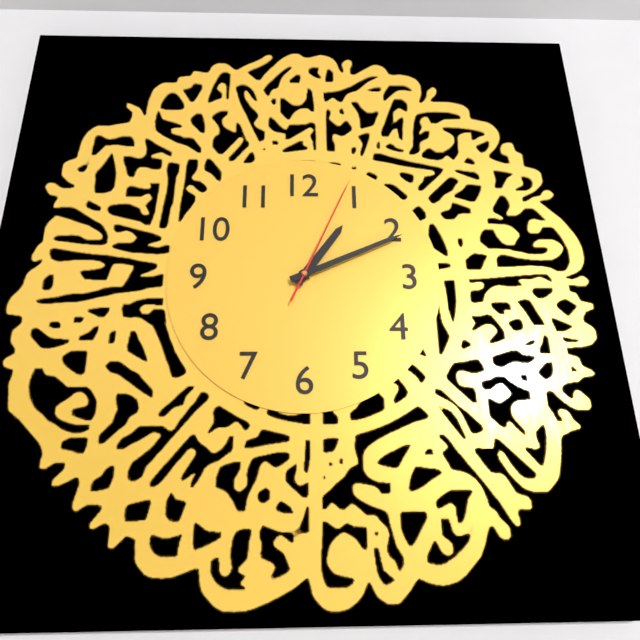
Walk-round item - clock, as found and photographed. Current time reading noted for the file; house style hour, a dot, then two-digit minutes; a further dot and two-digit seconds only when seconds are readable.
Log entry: 1.11.04
